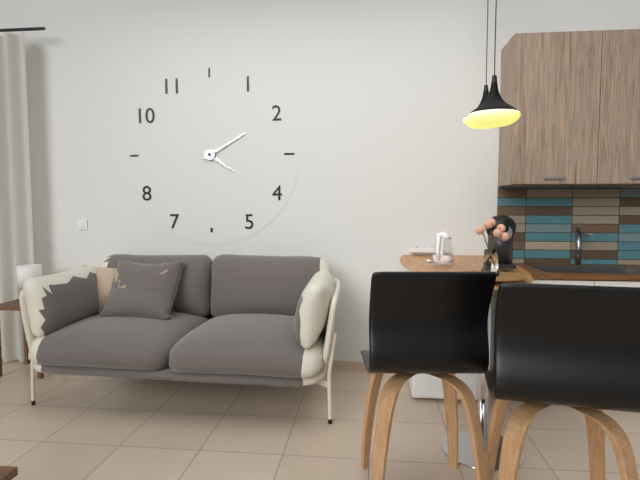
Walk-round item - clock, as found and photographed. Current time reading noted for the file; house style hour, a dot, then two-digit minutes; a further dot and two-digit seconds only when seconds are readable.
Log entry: 4.10
